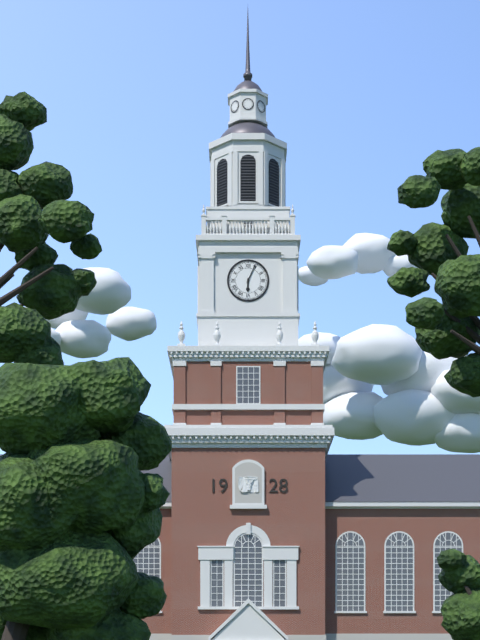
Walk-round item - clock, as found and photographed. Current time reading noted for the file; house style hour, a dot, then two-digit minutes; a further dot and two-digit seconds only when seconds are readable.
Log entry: 6.04
